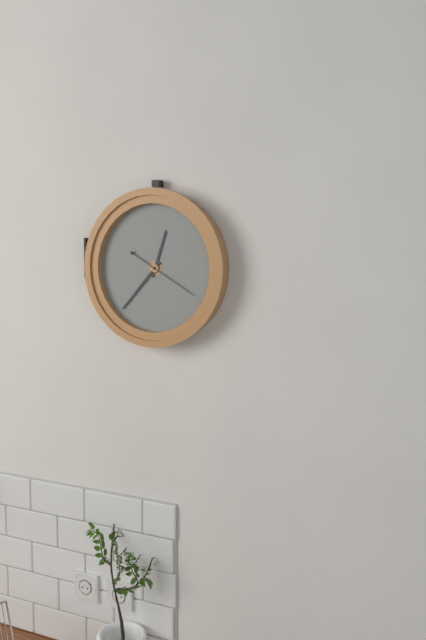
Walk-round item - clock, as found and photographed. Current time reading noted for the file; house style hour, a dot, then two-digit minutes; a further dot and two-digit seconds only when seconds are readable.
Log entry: 12.37.20
